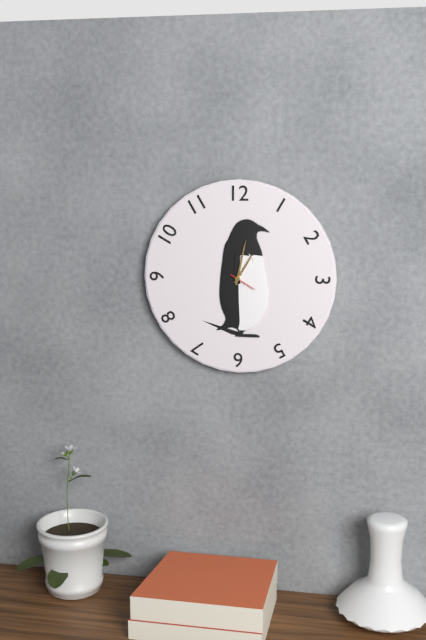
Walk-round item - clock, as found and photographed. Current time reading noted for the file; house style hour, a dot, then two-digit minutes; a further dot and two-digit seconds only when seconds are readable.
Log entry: 1.02
